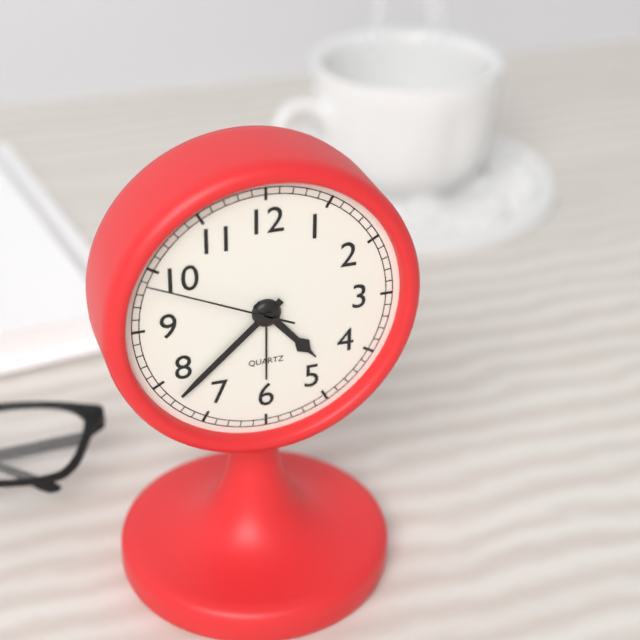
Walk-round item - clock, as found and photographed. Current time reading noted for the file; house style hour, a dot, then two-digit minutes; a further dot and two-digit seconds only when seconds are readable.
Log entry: 4.38.49
